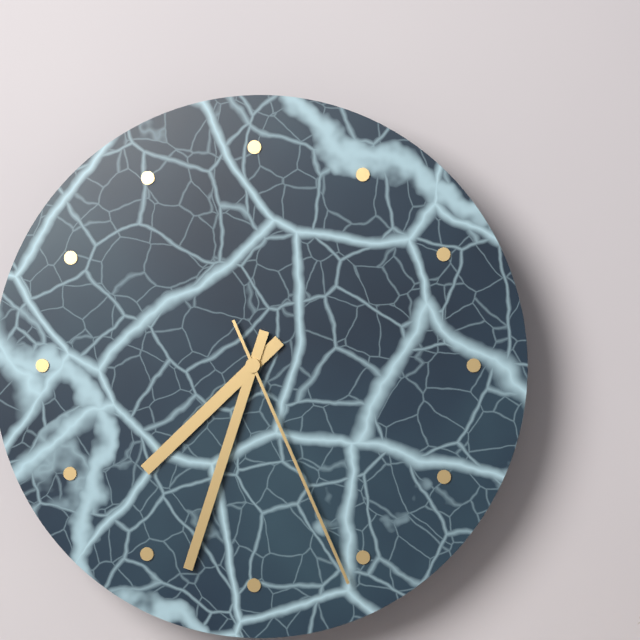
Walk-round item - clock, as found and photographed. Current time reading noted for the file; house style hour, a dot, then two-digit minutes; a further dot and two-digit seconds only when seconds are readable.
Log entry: 7.33.26
